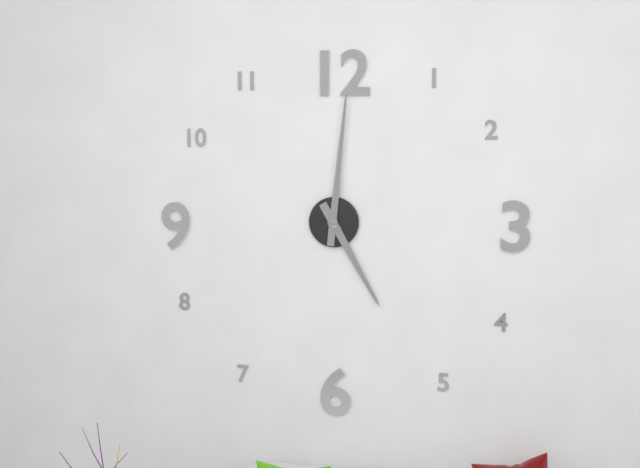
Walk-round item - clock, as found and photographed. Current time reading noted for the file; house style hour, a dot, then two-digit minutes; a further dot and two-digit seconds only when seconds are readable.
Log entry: 5.01
